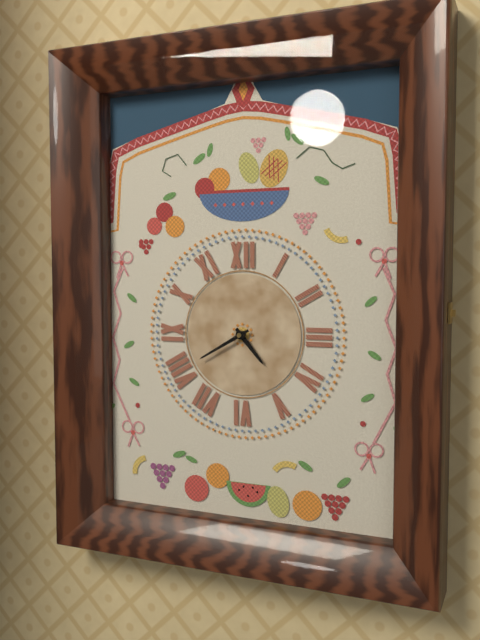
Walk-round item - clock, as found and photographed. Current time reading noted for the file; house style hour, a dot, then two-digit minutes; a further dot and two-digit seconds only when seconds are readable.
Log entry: 4.40
